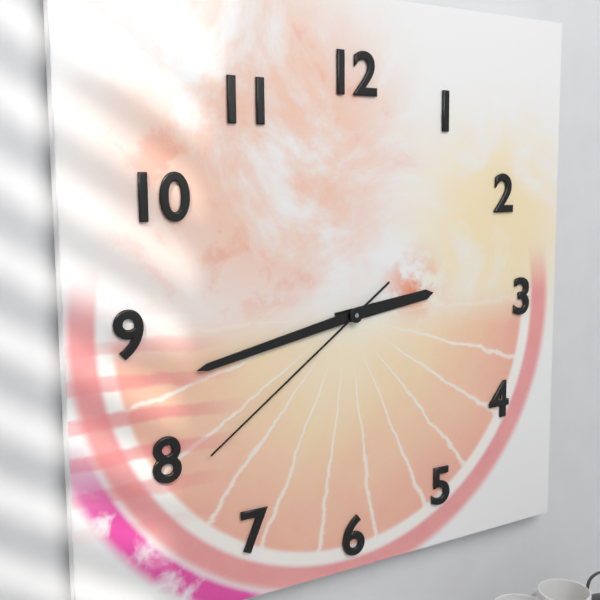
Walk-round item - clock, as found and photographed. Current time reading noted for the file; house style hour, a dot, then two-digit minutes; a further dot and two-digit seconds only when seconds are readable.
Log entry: 2.43.39
